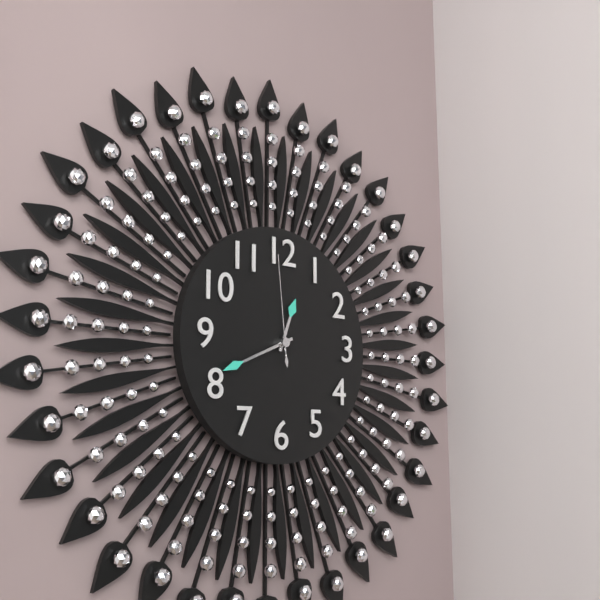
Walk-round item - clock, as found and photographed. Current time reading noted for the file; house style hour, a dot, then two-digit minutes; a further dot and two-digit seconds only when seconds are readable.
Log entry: 12.41.59
